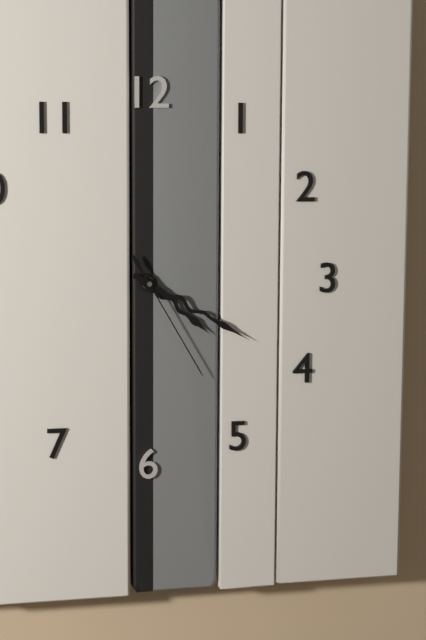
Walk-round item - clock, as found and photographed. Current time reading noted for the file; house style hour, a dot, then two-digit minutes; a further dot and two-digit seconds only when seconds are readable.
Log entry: 4.20.25
